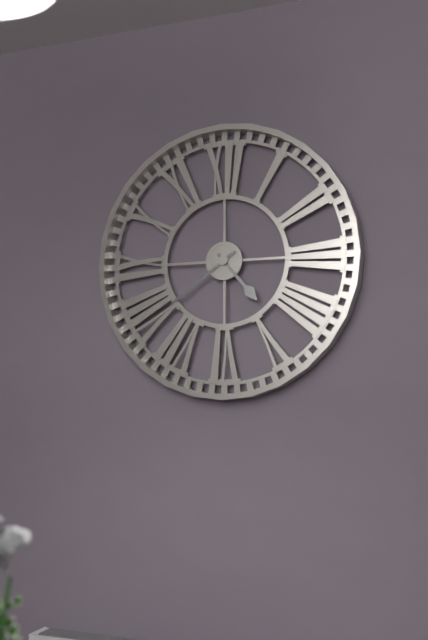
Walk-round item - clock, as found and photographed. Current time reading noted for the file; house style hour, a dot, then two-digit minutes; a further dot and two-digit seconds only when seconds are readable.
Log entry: 4.39
